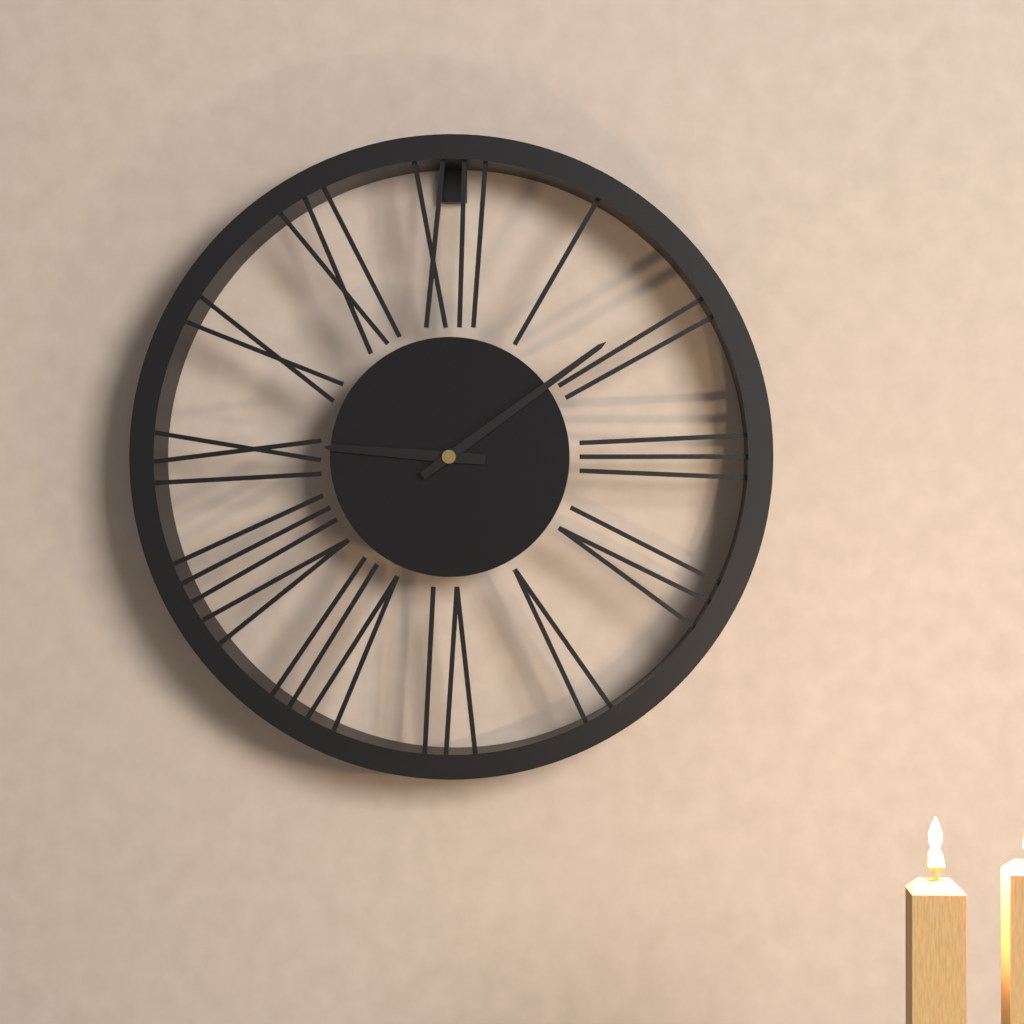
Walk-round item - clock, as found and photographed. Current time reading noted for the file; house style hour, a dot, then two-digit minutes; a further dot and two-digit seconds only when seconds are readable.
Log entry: 9.09
